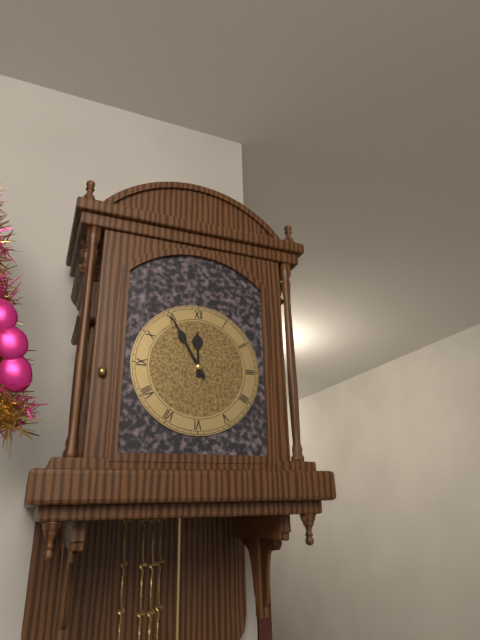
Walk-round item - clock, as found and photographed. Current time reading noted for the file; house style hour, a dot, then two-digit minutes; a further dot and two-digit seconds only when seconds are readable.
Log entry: 11.55
